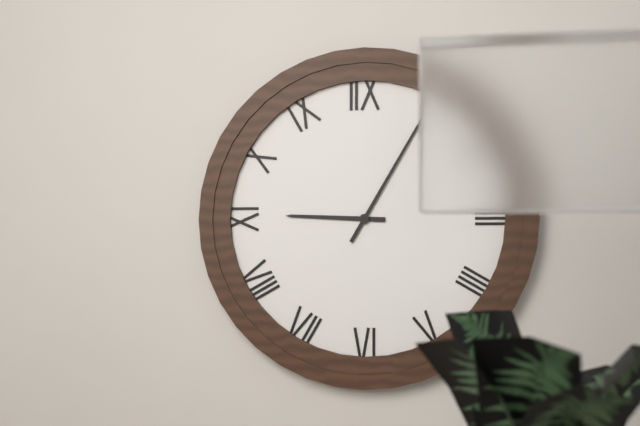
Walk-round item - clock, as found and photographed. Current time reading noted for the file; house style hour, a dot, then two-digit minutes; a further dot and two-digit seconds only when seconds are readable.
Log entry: 9.05
